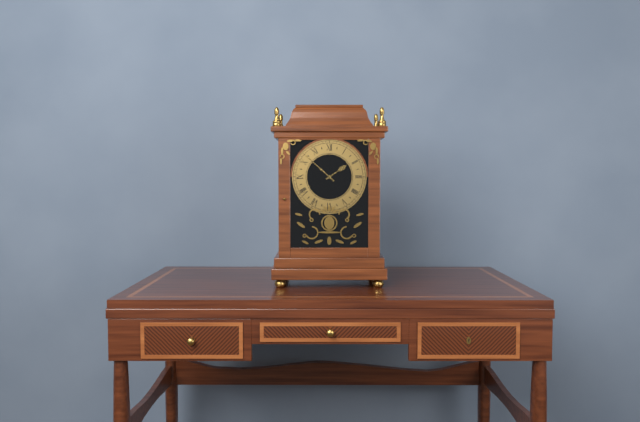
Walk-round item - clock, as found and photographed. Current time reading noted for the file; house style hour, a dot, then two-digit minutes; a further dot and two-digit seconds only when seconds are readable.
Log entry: 1.52
